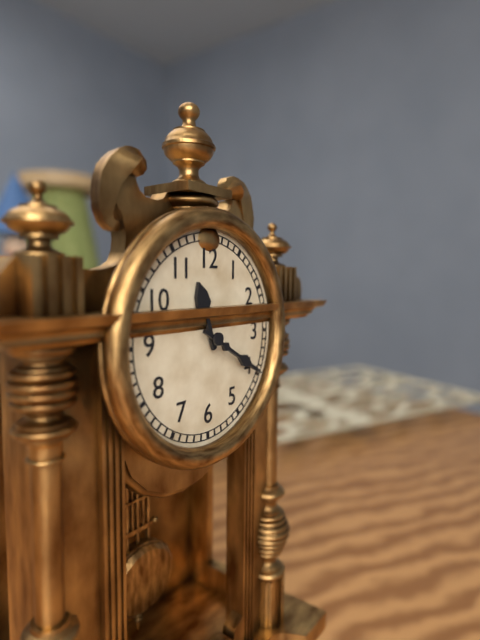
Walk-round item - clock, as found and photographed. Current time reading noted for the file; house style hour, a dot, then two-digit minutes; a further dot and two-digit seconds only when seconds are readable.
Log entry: 11.20
